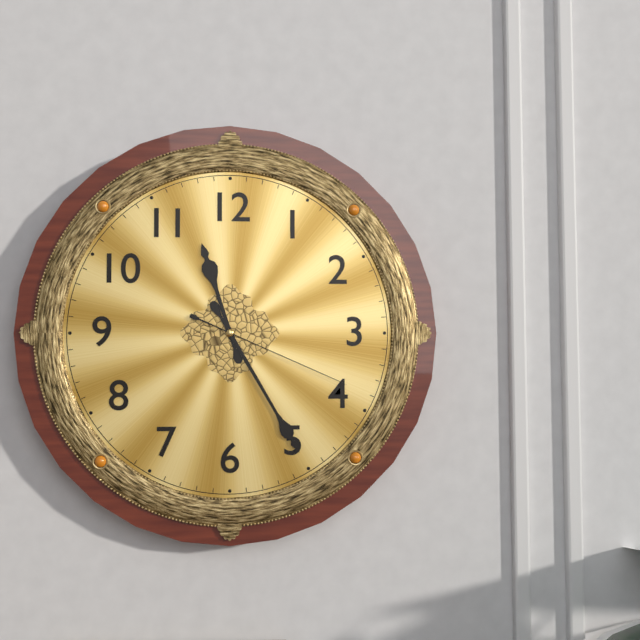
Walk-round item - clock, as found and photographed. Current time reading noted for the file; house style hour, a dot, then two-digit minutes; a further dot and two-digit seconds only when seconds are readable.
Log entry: 11.25.19
